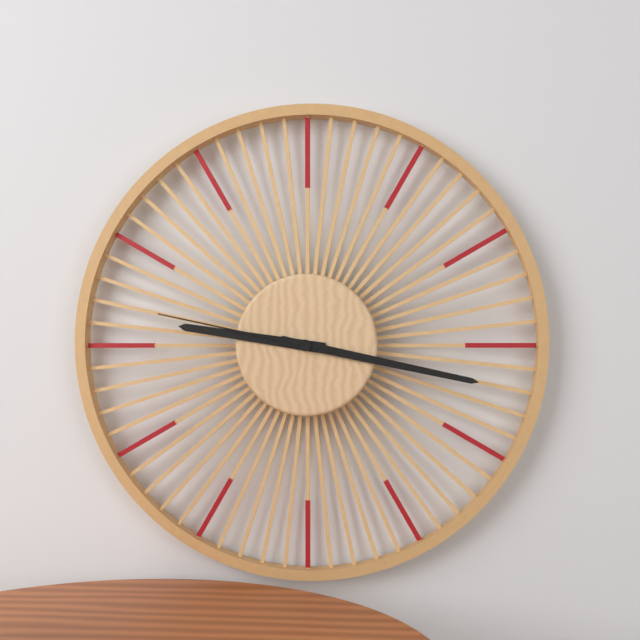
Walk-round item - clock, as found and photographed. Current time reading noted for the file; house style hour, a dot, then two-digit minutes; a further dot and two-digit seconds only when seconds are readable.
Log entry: 9.17.47
